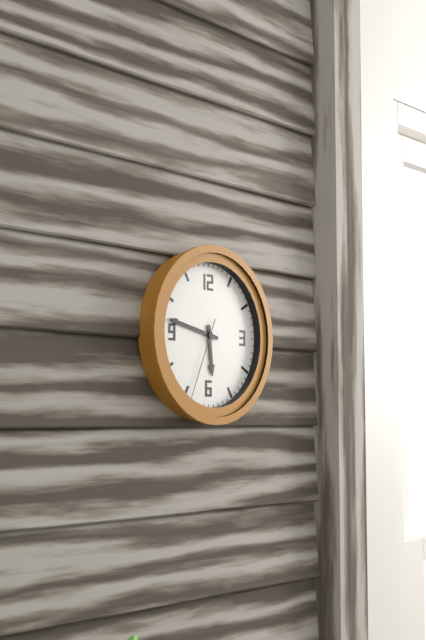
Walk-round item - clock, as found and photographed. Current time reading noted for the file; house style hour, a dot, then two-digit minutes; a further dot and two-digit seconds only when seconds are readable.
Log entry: 5.47.34
